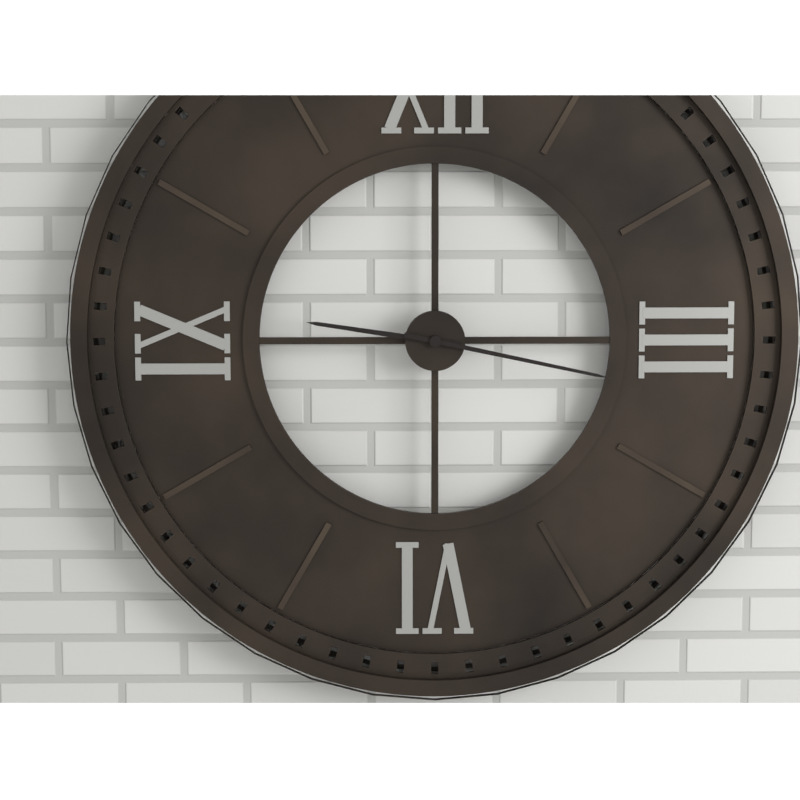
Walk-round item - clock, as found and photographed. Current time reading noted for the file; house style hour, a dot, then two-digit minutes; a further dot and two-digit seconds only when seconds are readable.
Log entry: 9.17
